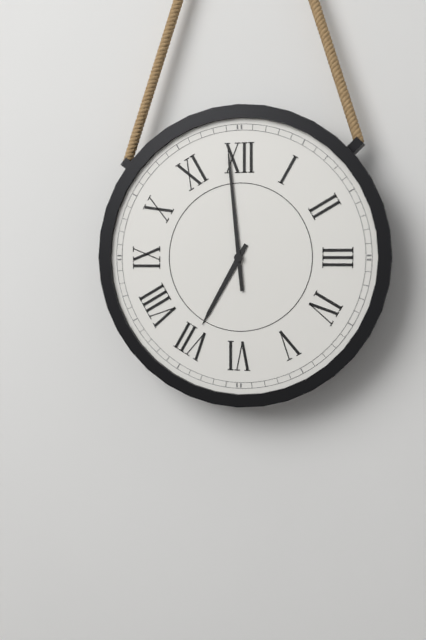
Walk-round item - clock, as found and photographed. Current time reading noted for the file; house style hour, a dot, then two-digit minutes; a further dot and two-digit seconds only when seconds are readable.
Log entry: 6.59
